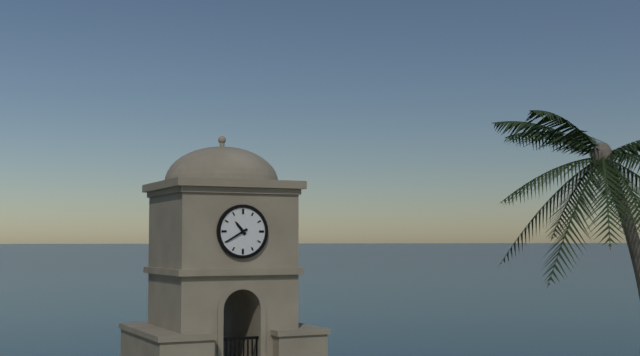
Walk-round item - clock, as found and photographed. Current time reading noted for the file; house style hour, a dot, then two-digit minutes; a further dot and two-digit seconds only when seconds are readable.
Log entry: 10.40
